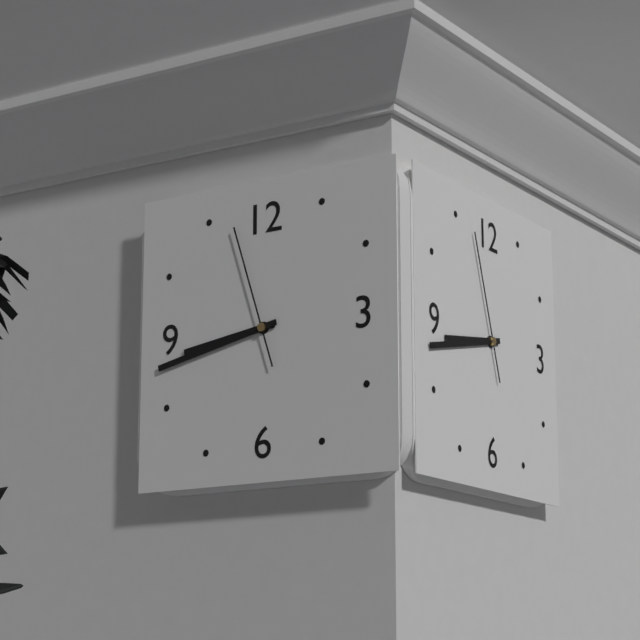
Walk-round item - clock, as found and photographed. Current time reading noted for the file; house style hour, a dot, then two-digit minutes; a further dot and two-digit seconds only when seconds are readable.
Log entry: 8.43.57
